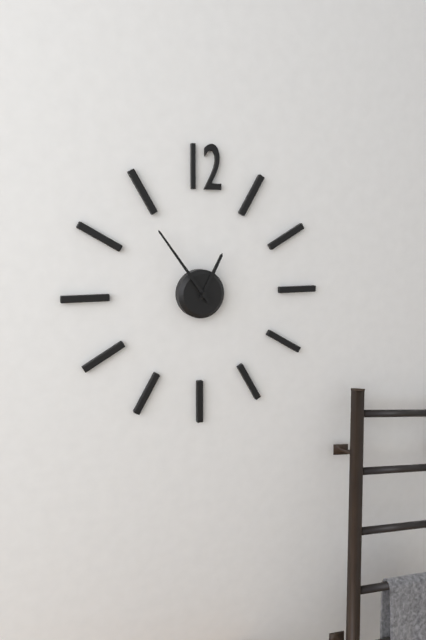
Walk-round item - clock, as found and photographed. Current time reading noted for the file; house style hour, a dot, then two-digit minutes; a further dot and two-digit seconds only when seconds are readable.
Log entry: 12.54
